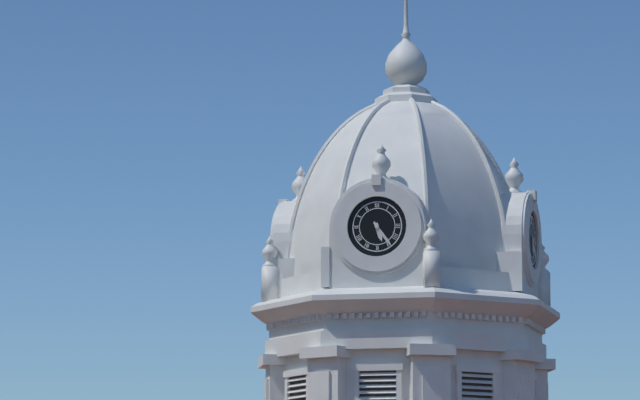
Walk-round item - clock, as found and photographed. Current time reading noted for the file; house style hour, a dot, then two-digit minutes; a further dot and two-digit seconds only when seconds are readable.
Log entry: 5.24
